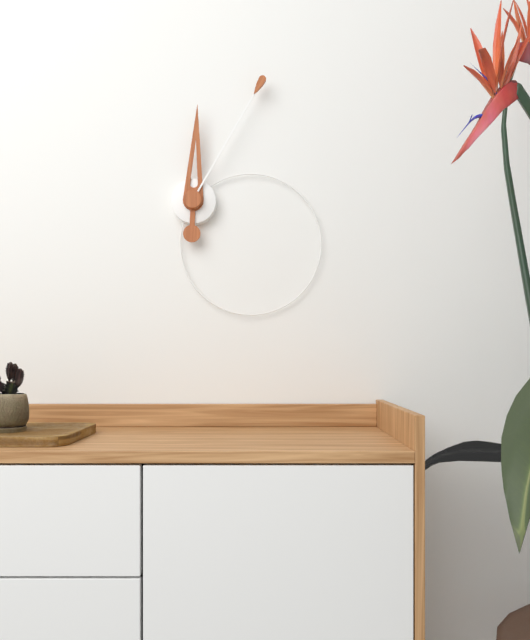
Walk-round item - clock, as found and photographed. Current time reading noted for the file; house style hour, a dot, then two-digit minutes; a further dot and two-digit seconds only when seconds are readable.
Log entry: 12.05
